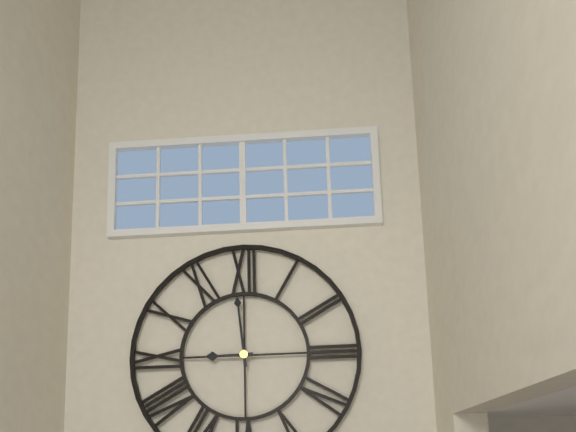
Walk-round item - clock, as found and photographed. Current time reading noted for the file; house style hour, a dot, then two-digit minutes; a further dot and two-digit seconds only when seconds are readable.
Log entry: 8.59
